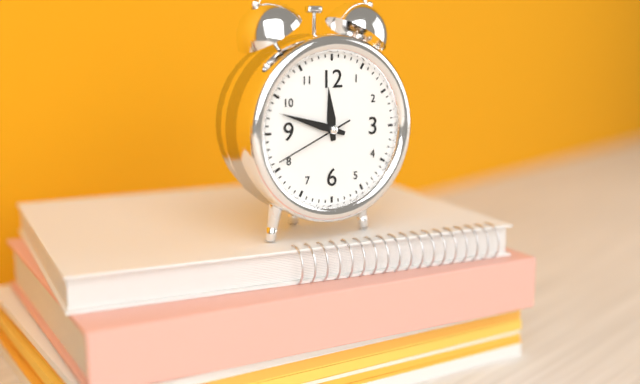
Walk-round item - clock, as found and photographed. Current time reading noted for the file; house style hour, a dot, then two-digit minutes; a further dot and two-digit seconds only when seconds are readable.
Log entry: 11.48.41
